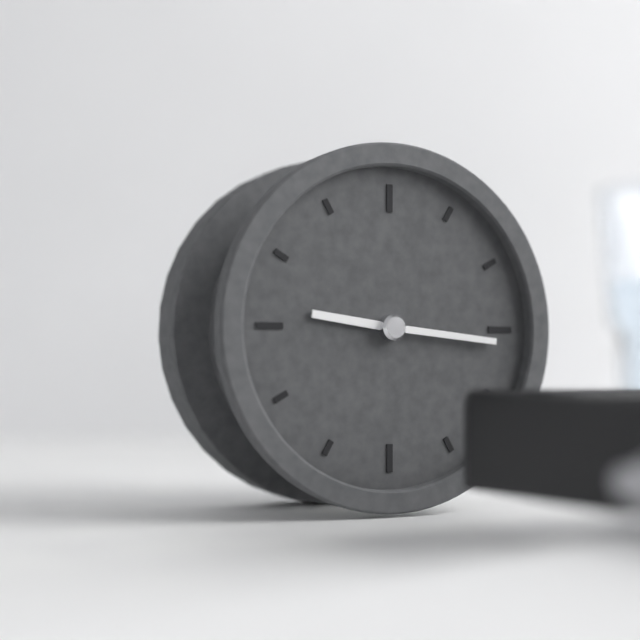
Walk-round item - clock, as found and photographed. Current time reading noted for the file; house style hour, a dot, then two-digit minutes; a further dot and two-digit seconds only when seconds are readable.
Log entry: 9.16
